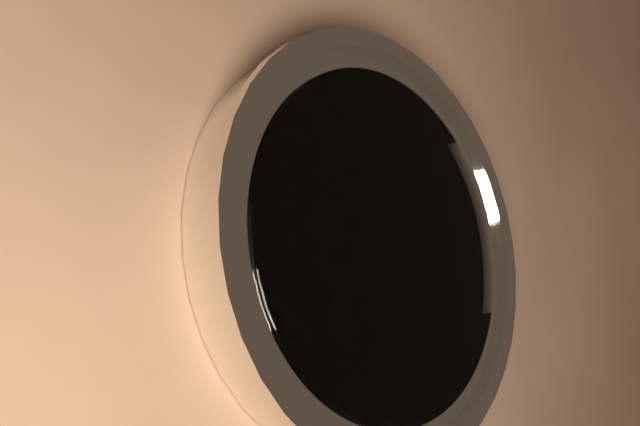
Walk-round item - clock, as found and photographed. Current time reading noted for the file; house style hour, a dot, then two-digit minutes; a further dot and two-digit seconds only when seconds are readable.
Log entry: 6.57.27
